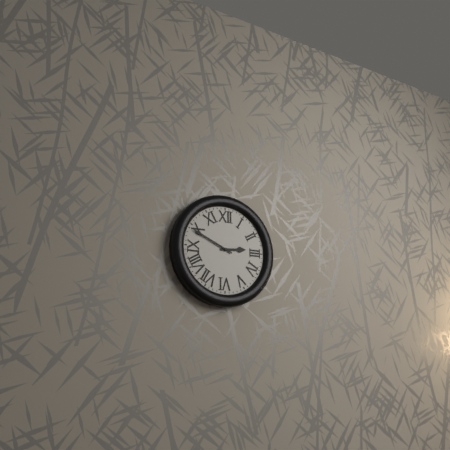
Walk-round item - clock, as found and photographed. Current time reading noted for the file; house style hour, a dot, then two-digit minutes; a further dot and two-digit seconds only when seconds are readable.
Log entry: 2.49
